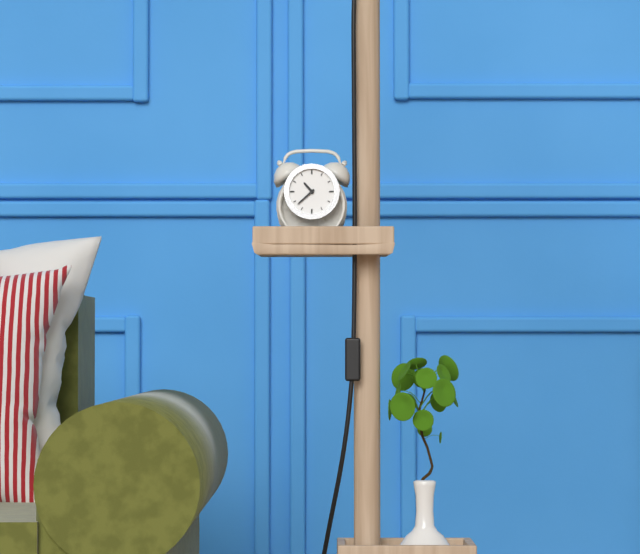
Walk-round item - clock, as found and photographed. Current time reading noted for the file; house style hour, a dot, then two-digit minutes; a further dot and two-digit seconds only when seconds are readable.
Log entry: 10.38
